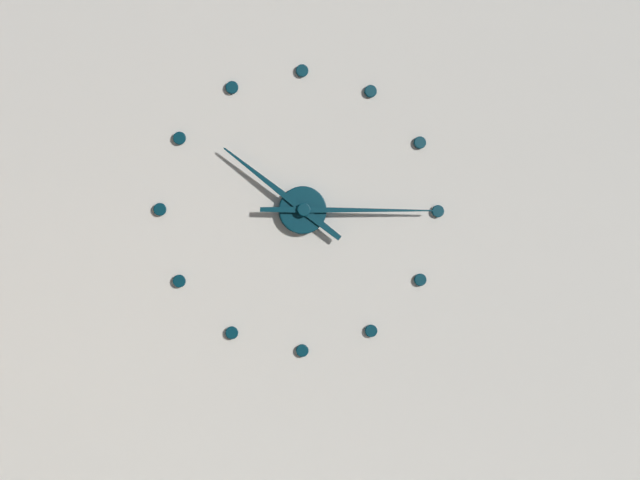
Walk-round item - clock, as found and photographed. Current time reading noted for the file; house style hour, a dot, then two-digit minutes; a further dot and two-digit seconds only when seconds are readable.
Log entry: 10.15
